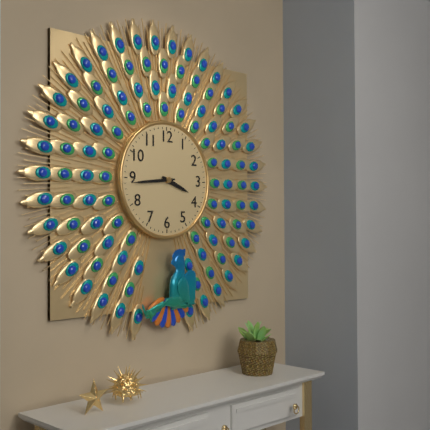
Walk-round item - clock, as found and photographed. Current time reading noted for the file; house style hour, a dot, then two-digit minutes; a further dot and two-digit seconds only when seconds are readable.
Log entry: 3.44
